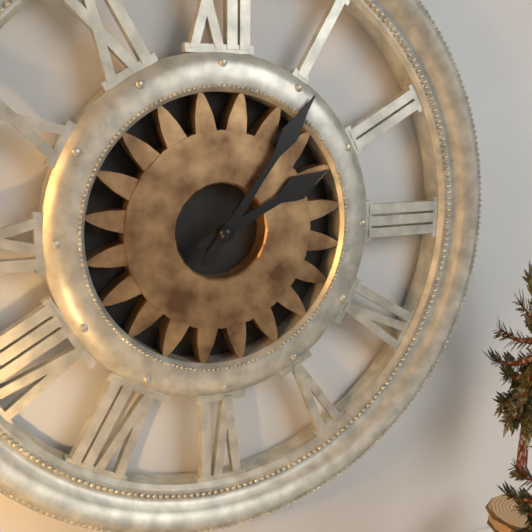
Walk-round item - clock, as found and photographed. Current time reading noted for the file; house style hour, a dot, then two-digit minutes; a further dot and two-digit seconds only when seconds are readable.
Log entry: 2.06
